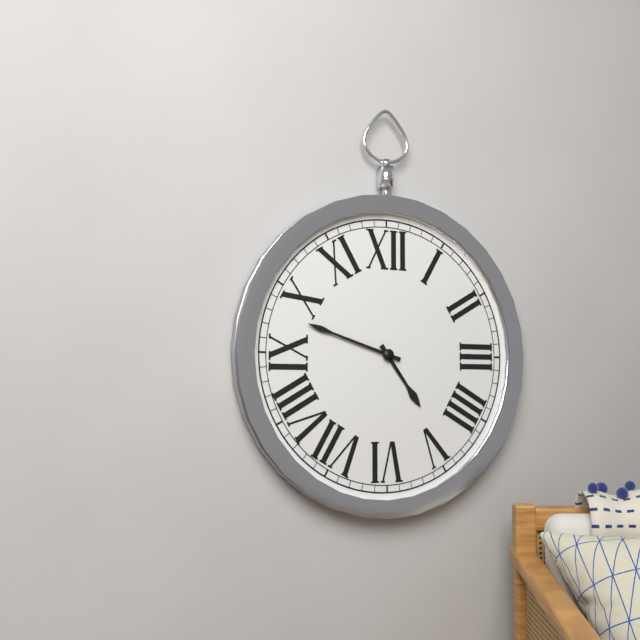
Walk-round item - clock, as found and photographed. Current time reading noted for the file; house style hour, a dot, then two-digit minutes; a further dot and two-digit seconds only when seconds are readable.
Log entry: 4.48
